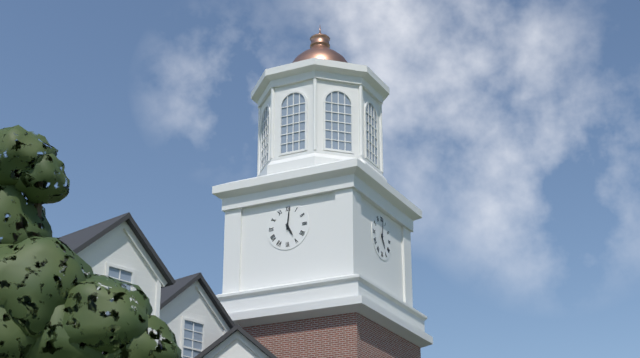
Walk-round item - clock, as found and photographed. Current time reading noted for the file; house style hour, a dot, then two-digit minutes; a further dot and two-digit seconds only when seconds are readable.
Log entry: 5.01
